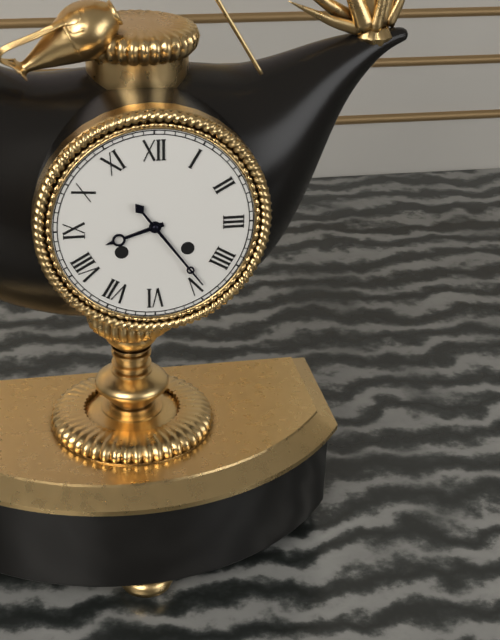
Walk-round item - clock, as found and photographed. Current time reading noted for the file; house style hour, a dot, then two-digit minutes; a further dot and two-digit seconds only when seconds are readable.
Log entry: 8.24
